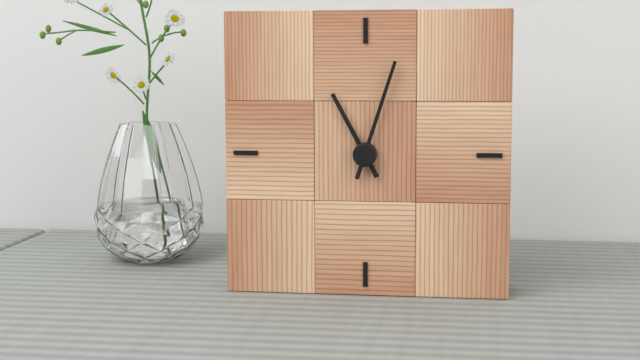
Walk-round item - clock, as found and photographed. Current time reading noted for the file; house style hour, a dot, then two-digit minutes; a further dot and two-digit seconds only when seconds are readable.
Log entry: 11.03
